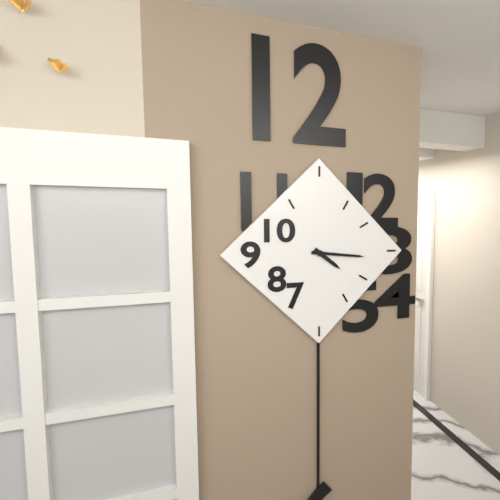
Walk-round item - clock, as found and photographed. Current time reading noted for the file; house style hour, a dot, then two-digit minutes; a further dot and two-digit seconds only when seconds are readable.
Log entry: 4.16
